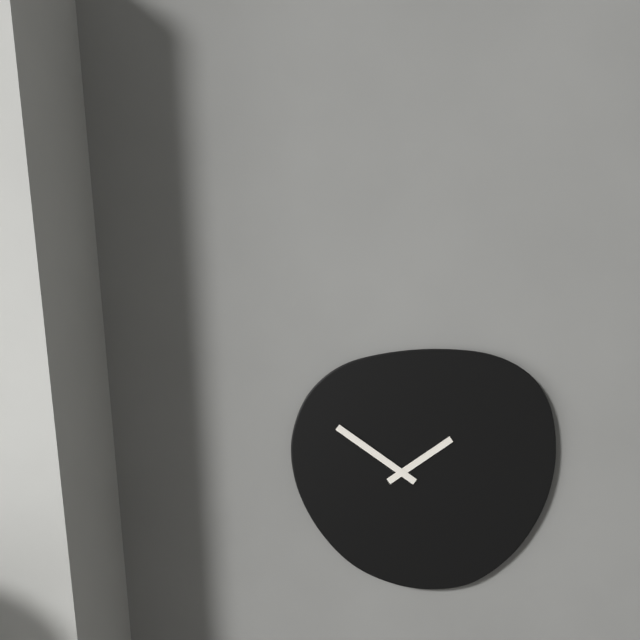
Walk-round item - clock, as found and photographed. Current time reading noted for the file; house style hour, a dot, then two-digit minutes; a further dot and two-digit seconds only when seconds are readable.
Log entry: 1.51
